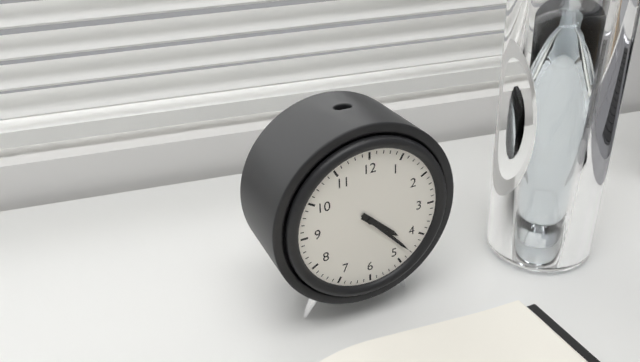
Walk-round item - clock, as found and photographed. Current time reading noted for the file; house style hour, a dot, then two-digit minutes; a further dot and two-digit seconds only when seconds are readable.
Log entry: 4.23
